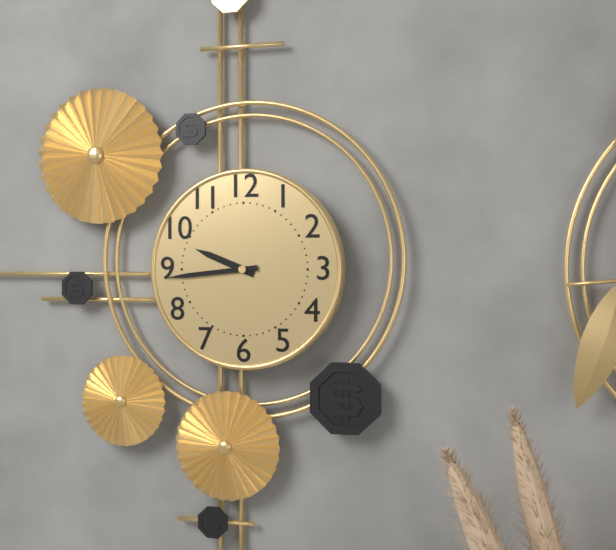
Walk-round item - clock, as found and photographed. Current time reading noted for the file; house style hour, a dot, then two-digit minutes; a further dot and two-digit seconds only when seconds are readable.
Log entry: 9.44
